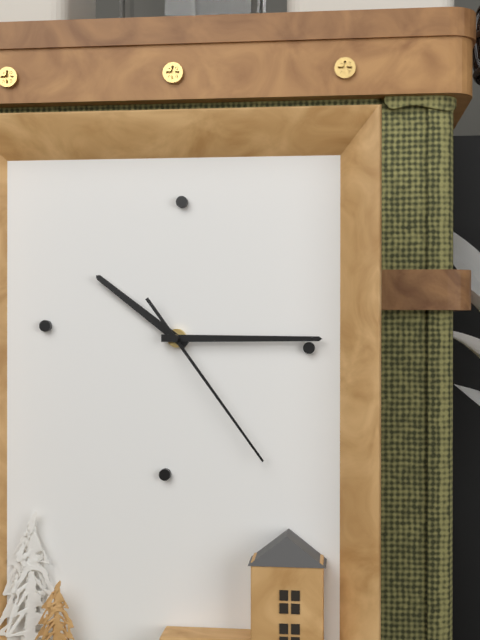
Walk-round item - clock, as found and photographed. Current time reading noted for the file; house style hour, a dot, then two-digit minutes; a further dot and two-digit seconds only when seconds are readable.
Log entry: 10.15.24
